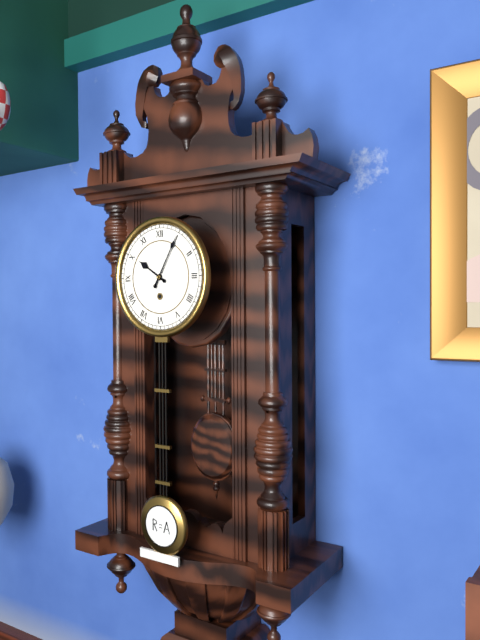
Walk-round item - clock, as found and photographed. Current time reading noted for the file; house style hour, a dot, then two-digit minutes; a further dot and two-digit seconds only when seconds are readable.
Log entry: 10.05
